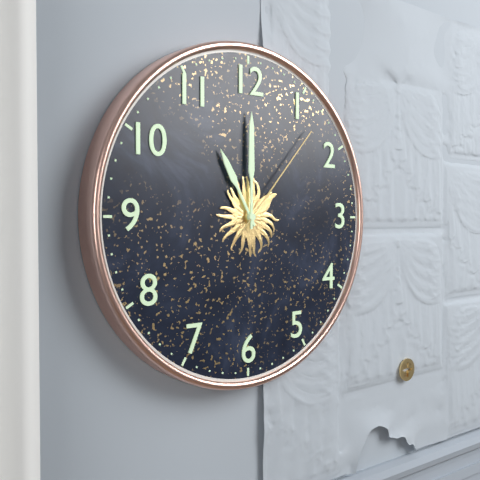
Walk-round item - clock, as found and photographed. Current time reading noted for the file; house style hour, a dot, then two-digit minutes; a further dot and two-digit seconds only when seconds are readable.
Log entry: 11.00.07
